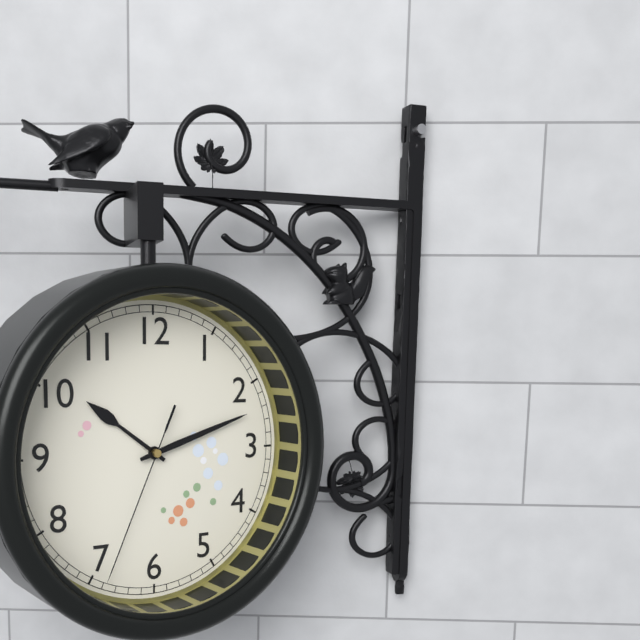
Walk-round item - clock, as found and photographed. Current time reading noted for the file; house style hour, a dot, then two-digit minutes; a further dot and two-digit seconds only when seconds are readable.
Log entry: 10.12.34
